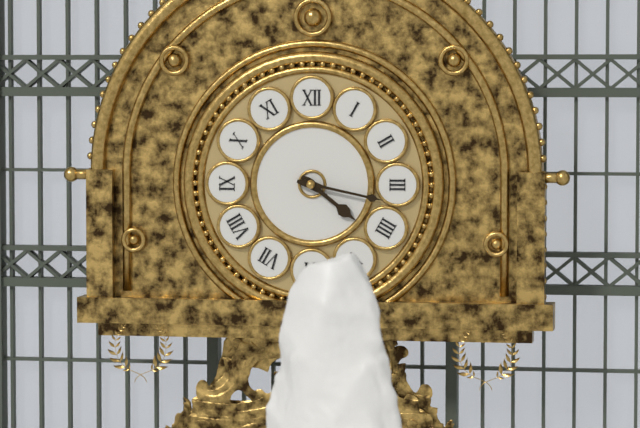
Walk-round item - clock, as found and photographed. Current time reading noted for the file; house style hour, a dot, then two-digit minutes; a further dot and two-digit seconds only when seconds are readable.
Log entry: 4.17
